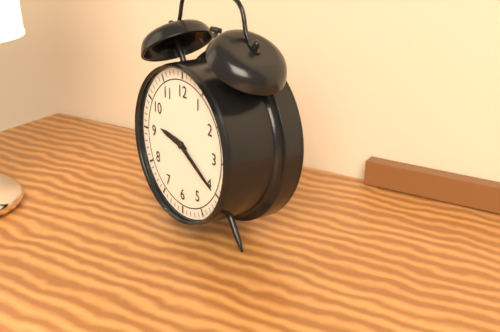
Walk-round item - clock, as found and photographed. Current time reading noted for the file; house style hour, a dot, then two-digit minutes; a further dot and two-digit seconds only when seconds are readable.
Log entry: 9.20
